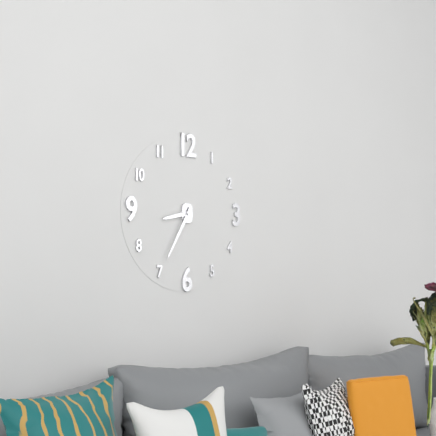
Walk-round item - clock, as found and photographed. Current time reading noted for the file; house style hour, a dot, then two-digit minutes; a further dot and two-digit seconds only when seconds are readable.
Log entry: 8.35
